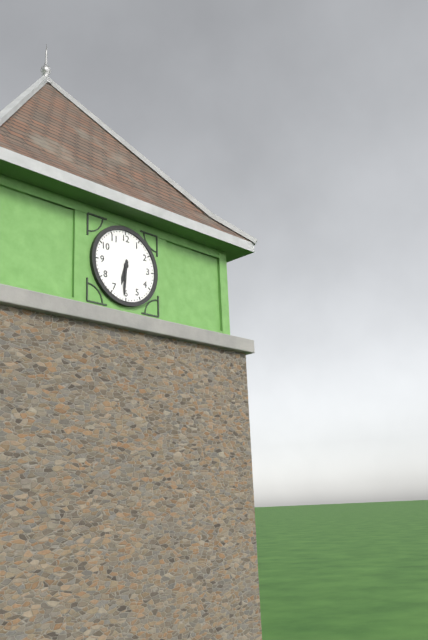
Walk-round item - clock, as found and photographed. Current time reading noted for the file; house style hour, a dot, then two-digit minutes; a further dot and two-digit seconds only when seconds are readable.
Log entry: 6.31
